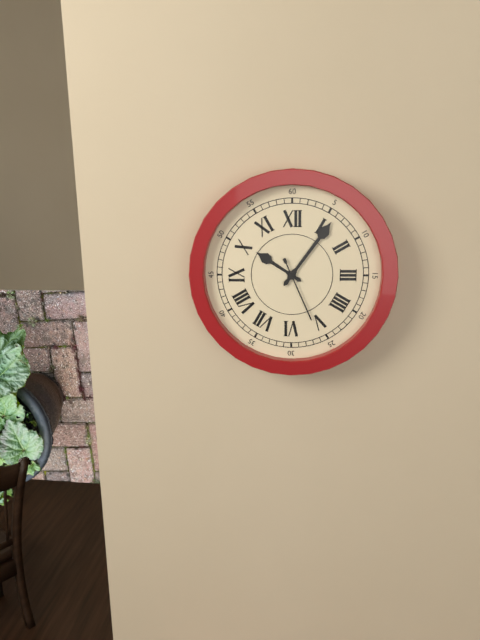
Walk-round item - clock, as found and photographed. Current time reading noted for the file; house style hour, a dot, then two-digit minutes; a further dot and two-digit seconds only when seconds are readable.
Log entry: 10.06.26
